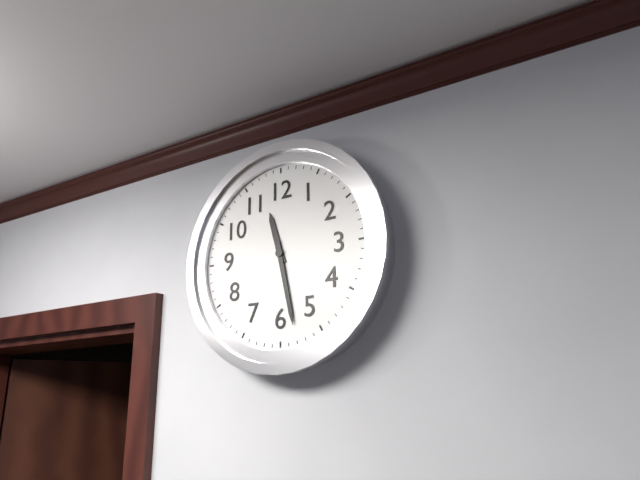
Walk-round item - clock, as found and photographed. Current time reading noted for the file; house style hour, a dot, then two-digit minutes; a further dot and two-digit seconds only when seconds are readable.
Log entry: 11.28
